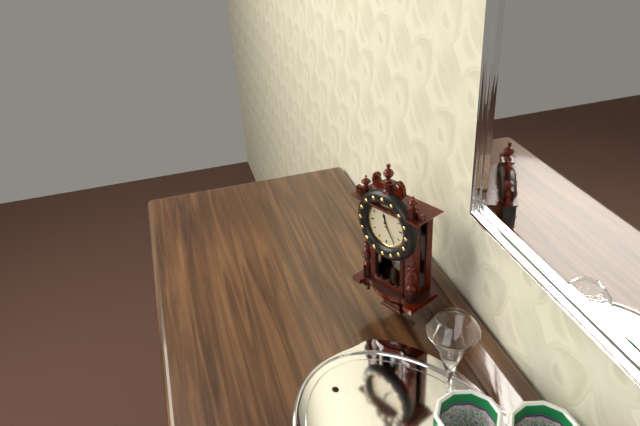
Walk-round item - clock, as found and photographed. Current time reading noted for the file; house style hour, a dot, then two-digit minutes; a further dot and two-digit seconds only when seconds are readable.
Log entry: 11.24
